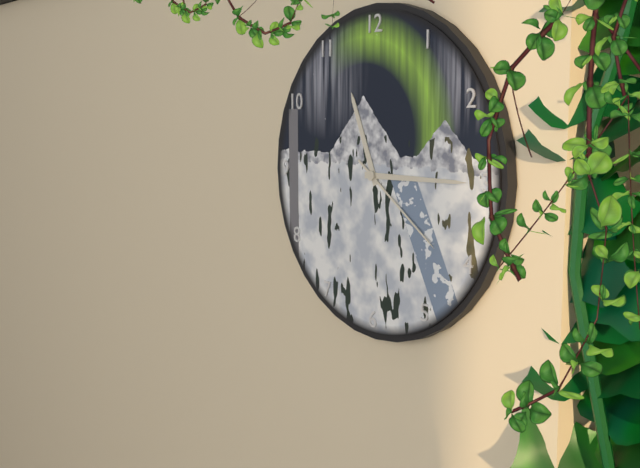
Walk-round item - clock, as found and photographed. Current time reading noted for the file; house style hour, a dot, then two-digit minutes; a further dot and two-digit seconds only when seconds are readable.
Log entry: 11.15.21
